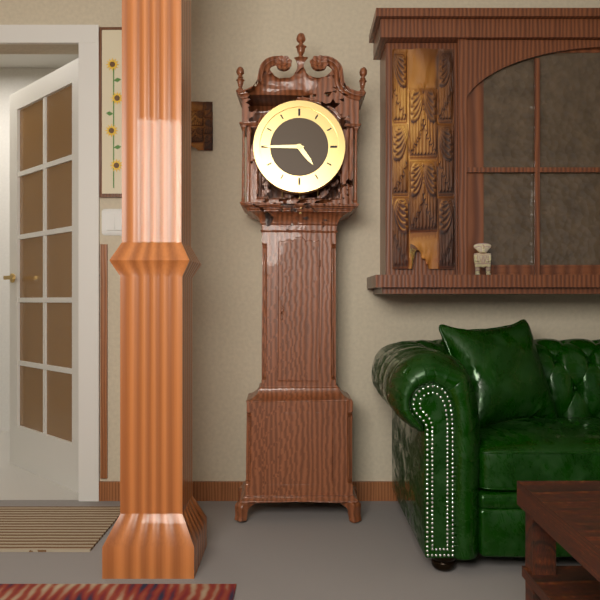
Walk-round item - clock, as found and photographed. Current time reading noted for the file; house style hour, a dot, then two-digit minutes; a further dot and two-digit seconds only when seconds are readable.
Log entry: 4.45
